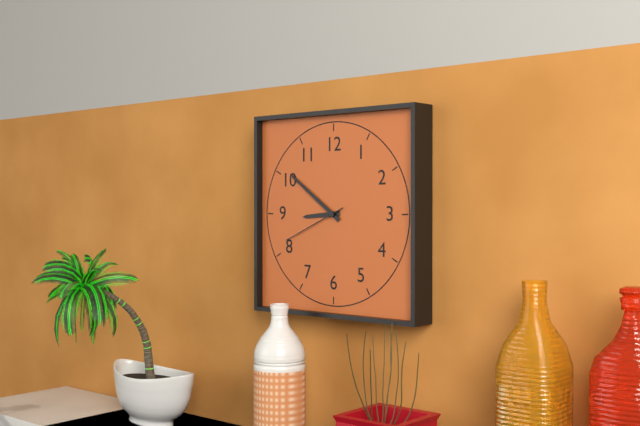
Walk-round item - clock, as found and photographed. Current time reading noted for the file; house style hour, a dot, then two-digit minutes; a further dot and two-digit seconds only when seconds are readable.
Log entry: 8.51.41
